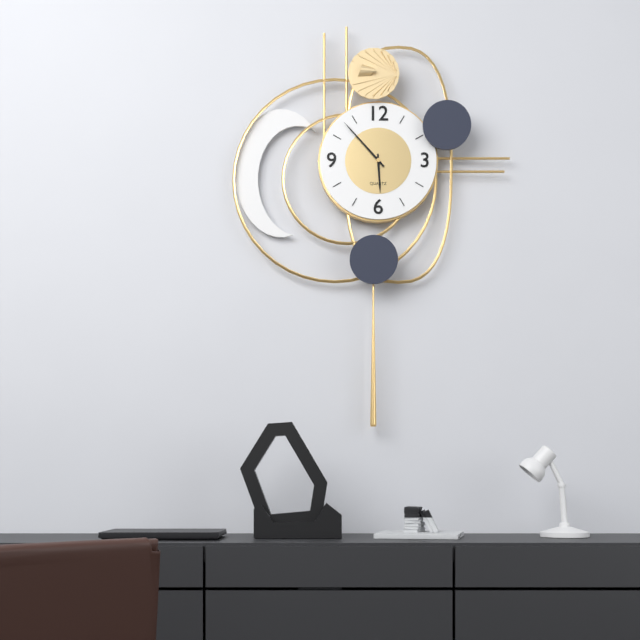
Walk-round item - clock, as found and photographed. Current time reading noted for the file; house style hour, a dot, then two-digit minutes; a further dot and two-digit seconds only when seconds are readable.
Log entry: 5.53
